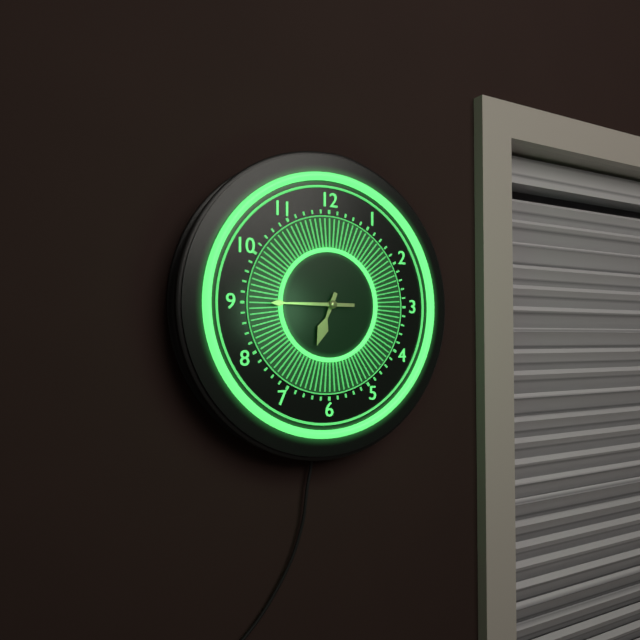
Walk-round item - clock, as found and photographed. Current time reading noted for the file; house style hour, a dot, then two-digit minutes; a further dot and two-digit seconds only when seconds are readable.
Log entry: 6.45
